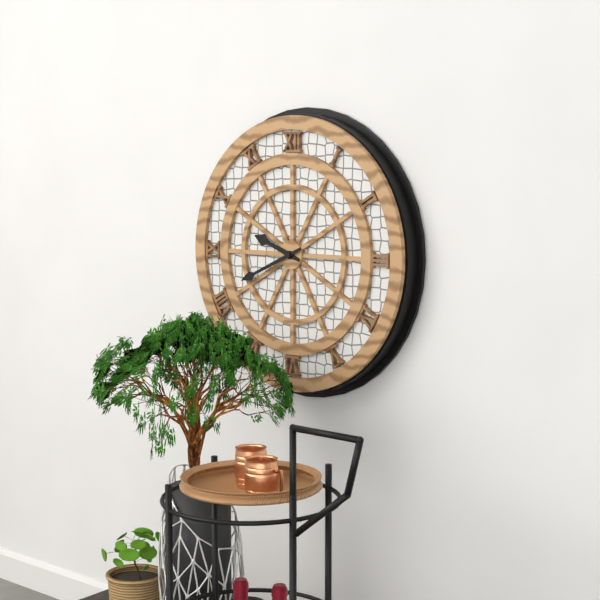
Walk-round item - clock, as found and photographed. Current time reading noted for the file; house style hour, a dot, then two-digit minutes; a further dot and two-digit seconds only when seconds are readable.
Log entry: 9.41
